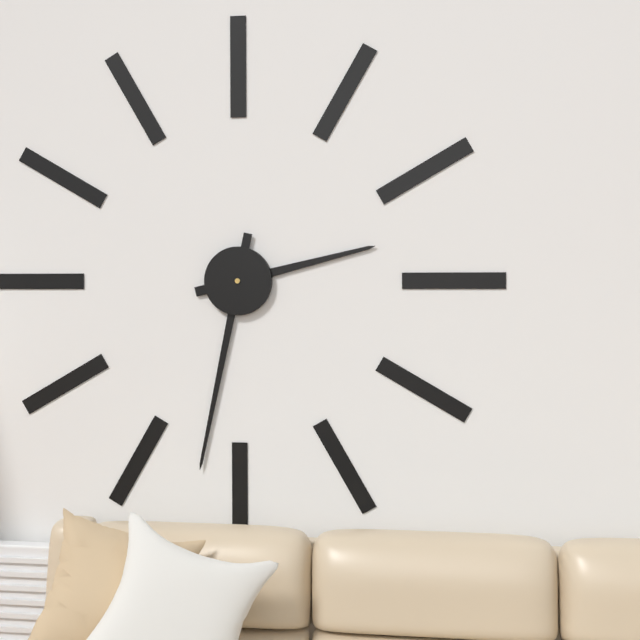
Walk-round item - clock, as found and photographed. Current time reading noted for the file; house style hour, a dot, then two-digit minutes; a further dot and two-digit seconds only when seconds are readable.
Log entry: 2.32
